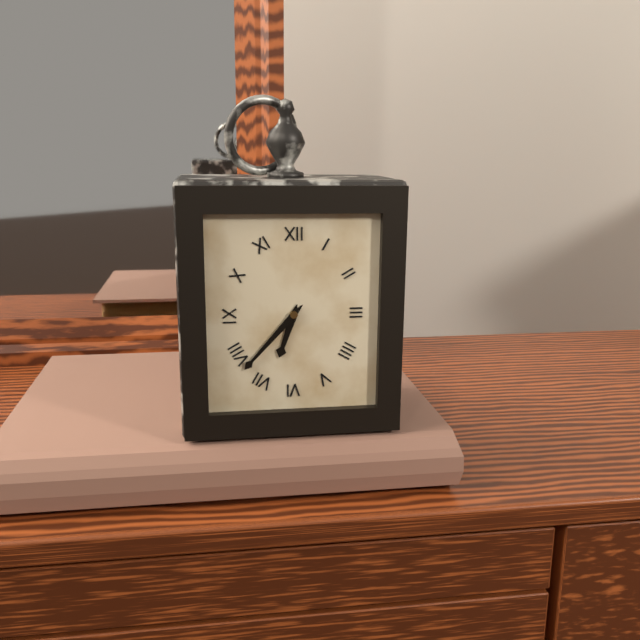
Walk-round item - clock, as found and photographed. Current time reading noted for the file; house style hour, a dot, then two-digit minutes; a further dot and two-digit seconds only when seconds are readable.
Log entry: 6.37
